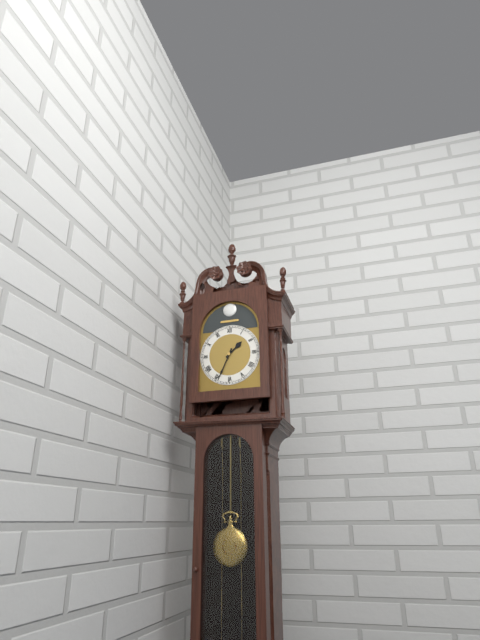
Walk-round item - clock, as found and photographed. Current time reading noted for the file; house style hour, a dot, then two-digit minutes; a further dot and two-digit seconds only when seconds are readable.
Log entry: 1.34
